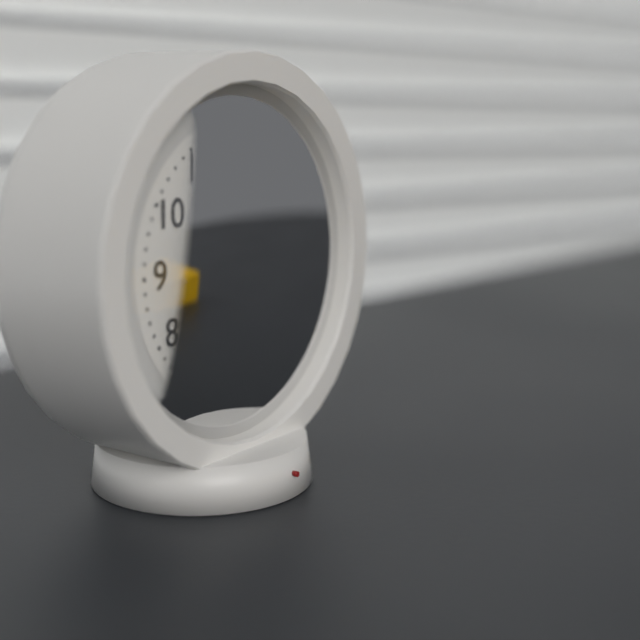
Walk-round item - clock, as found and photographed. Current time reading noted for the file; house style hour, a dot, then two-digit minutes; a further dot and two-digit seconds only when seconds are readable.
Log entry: 1.10.14
